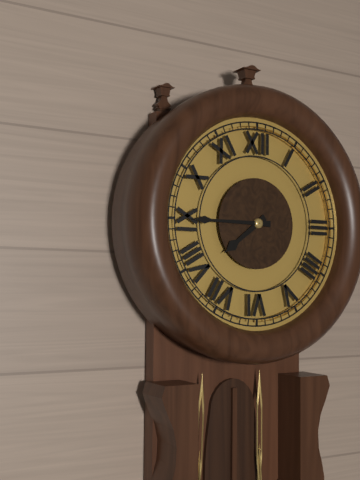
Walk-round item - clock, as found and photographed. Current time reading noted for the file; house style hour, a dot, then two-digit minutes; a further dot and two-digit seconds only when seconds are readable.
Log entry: 7.45
